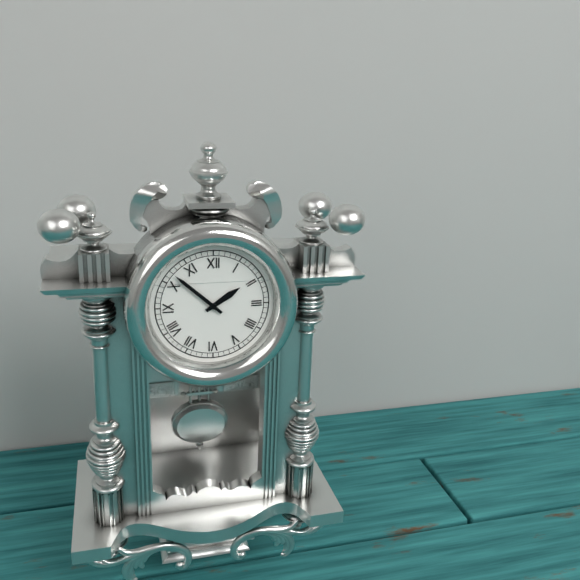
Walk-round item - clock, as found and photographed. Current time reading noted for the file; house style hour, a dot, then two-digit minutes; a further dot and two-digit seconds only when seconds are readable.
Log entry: 1.52
